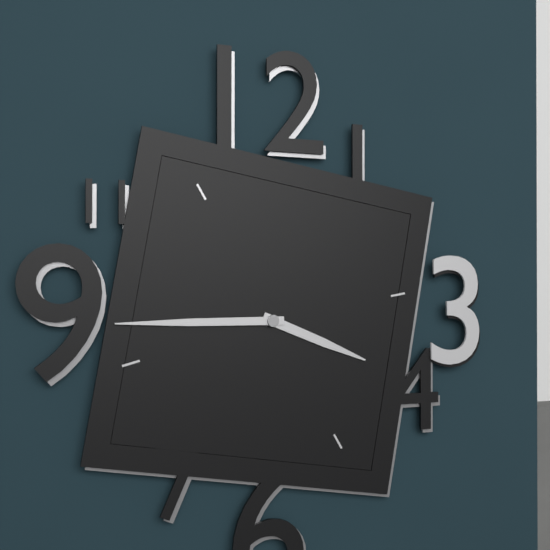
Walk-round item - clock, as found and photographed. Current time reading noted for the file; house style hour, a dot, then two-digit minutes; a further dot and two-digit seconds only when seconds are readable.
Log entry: 3.45
